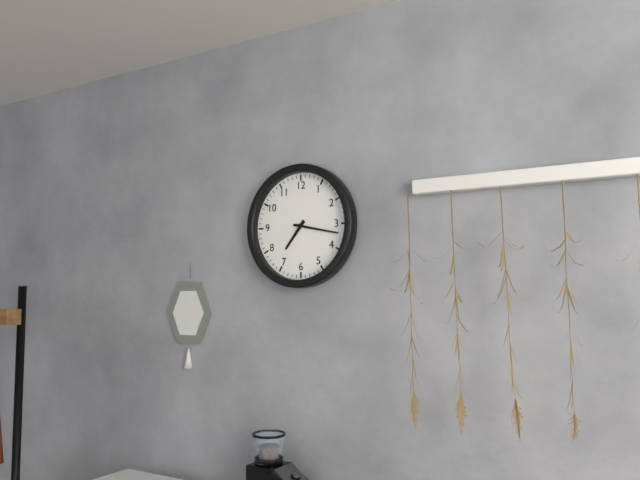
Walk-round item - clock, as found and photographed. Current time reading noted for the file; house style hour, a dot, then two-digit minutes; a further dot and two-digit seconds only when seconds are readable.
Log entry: 7.17
